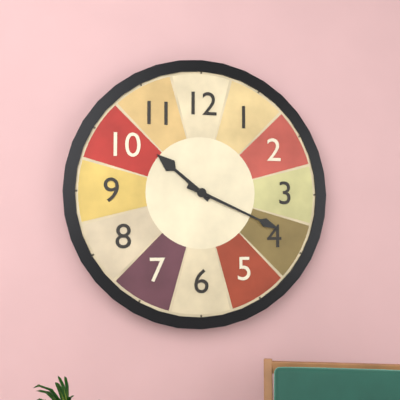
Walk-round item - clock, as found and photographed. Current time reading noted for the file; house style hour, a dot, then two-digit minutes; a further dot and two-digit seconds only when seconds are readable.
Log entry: 10.19
